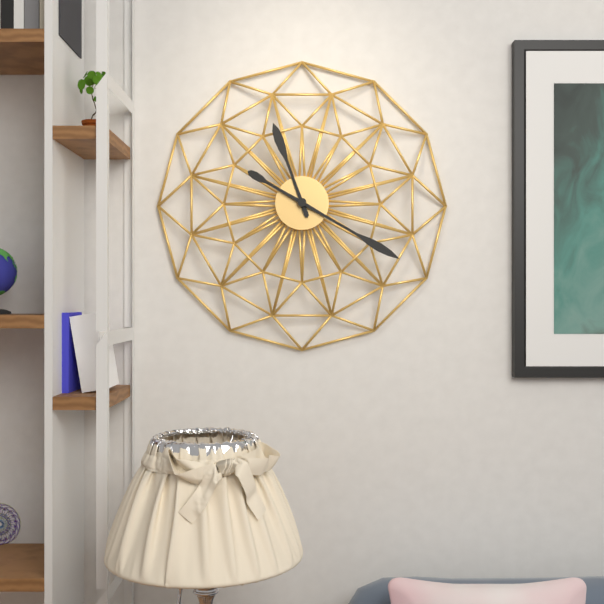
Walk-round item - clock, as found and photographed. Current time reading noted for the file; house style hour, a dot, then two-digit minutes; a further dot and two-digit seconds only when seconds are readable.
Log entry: 11.20
